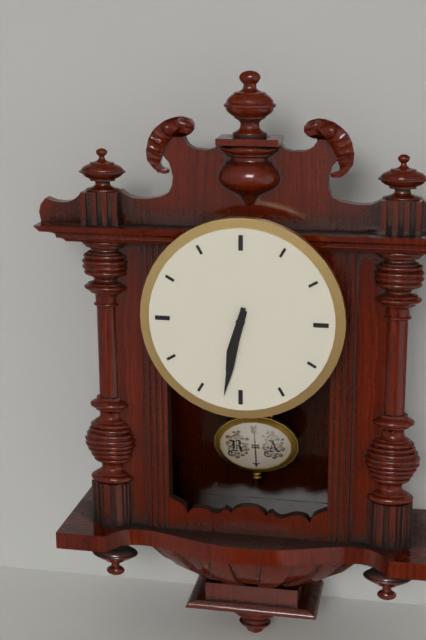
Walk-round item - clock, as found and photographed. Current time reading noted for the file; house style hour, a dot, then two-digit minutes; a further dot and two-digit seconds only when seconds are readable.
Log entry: 6.32
